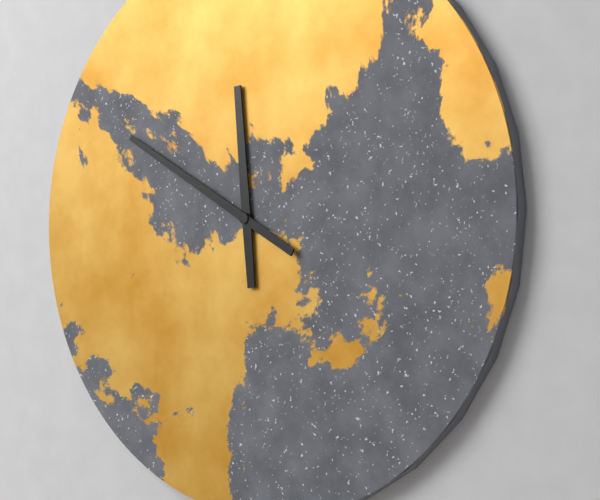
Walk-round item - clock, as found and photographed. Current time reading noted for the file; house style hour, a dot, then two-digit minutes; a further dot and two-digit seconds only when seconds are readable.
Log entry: 11.50
